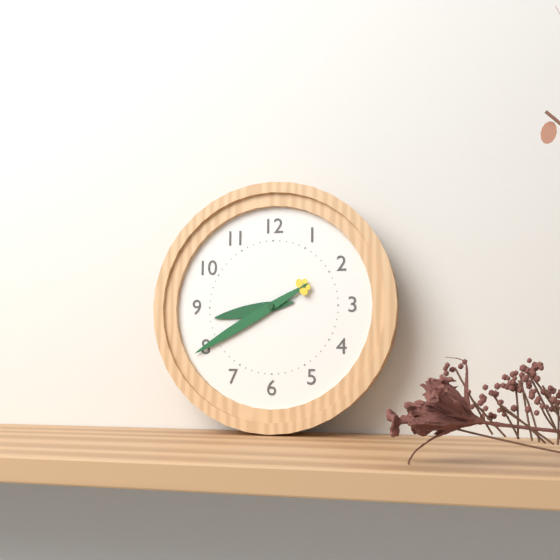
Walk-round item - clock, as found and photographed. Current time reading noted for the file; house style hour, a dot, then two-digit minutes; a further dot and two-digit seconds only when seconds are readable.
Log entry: 8.40
